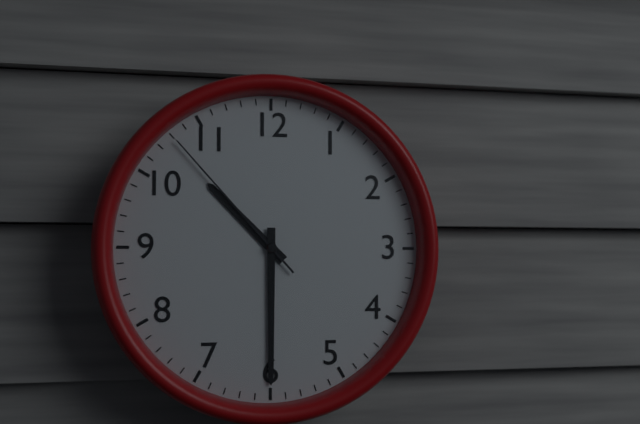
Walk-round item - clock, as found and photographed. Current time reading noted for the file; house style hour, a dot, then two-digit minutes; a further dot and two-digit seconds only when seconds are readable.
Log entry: 10.30.53
